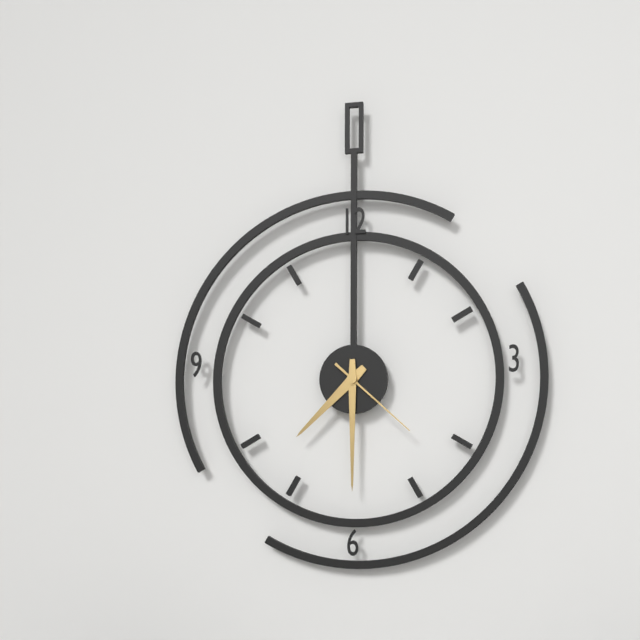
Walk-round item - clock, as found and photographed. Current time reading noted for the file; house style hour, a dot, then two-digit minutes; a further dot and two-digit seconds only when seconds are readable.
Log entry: 7.30.22
